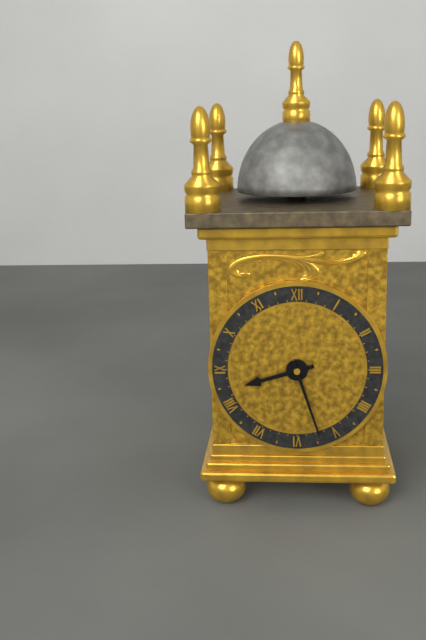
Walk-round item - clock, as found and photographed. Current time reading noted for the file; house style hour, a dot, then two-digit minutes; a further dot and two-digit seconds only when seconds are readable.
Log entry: 8.27
